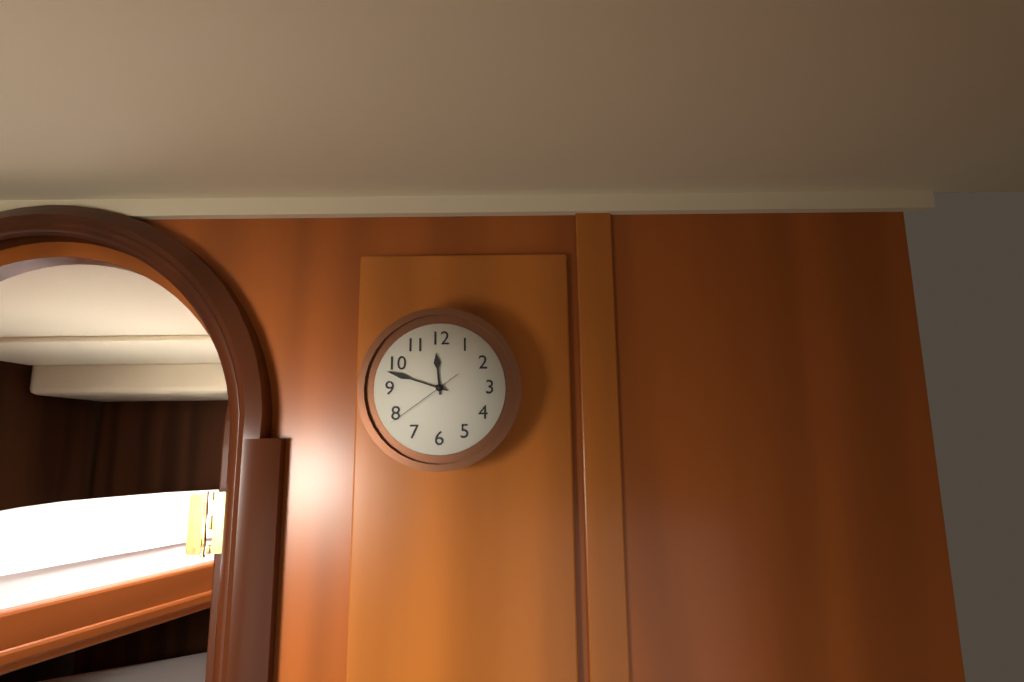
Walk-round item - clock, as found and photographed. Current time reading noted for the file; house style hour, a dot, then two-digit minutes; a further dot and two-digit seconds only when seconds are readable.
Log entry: 11.48.39
